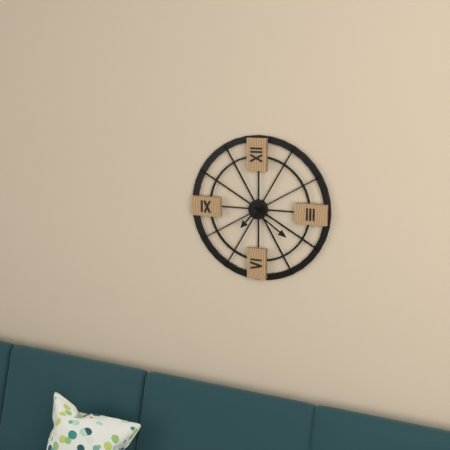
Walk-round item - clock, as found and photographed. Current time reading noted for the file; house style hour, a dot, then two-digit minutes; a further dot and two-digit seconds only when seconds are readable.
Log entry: 7.21
